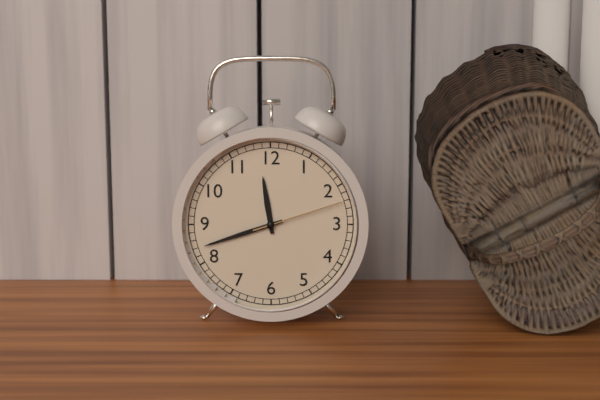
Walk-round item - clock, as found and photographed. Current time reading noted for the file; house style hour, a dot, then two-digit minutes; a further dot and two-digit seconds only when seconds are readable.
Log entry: 11.42.12
